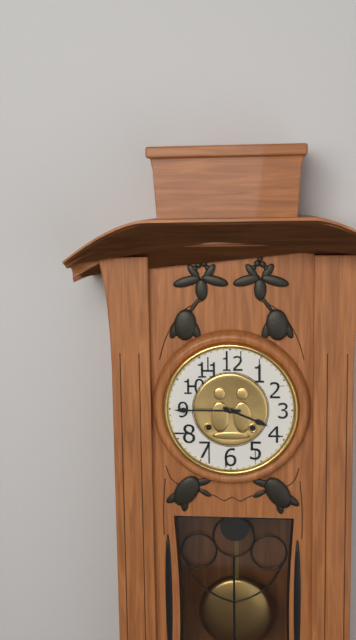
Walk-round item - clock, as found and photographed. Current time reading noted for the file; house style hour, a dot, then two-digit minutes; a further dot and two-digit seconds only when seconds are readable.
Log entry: 3.45
